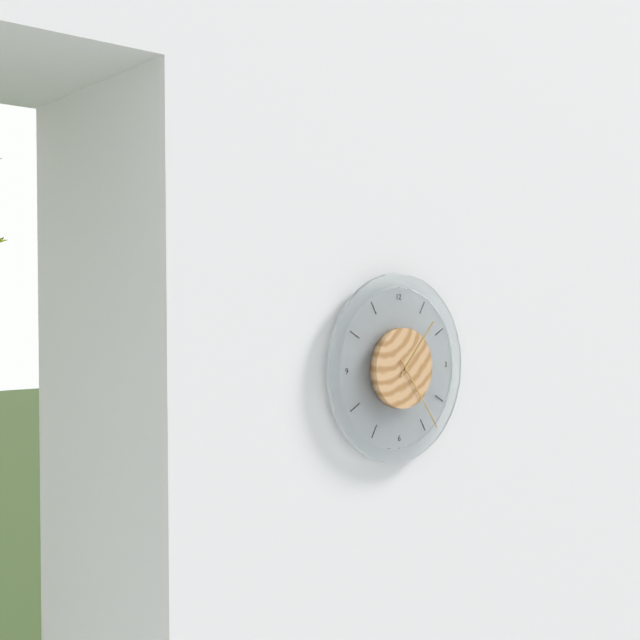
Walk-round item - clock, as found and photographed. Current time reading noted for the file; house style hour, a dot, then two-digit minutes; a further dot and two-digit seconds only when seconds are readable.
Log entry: 1.24
